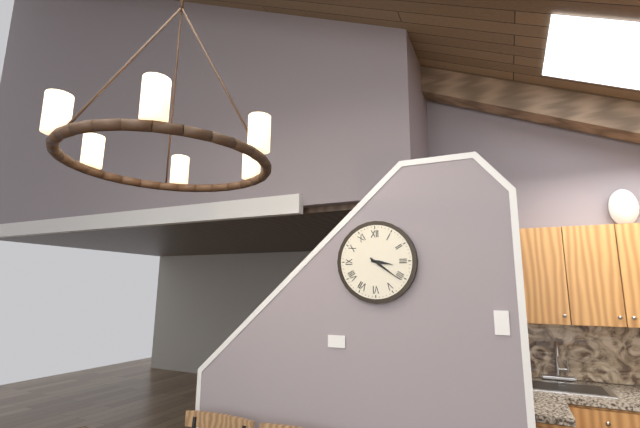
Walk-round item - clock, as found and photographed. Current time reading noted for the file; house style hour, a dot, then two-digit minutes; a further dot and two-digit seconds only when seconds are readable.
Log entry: 3.21
